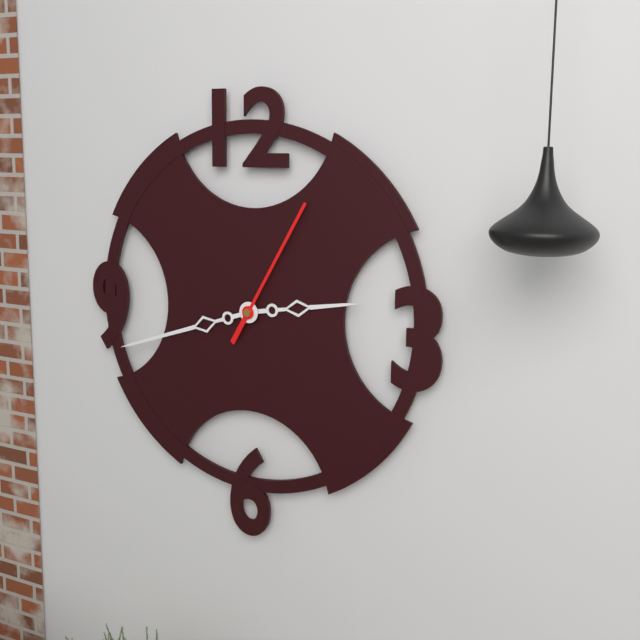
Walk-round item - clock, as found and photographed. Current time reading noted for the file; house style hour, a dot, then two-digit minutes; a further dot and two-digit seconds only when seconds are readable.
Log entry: 2.42.05
